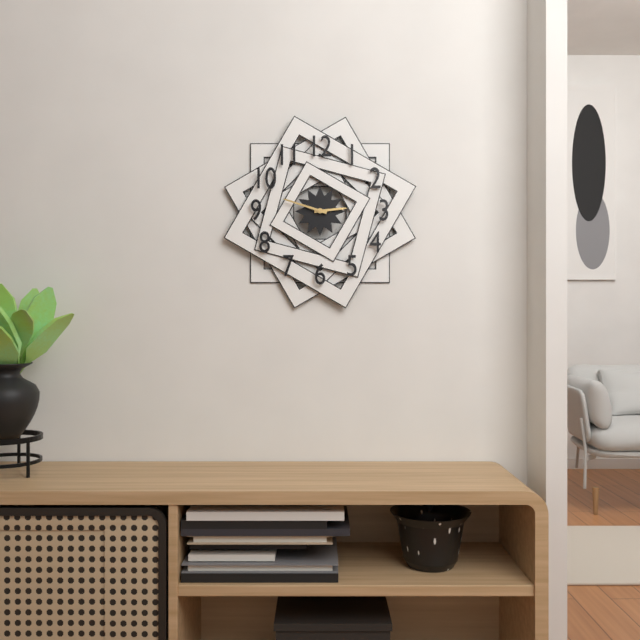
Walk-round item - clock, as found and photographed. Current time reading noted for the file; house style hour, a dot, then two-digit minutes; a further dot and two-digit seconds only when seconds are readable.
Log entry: 2.48
